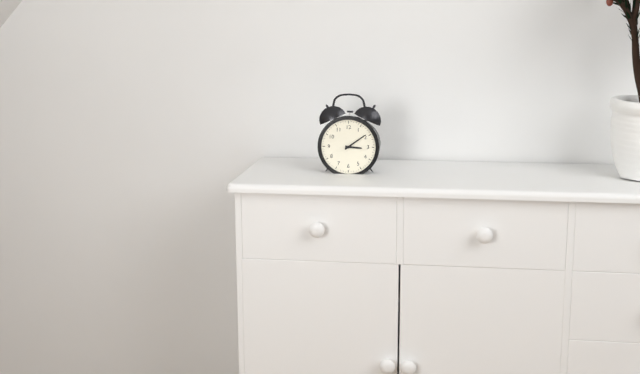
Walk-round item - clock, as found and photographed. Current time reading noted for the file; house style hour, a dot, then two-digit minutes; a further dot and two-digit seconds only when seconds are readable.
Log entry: 3.09
